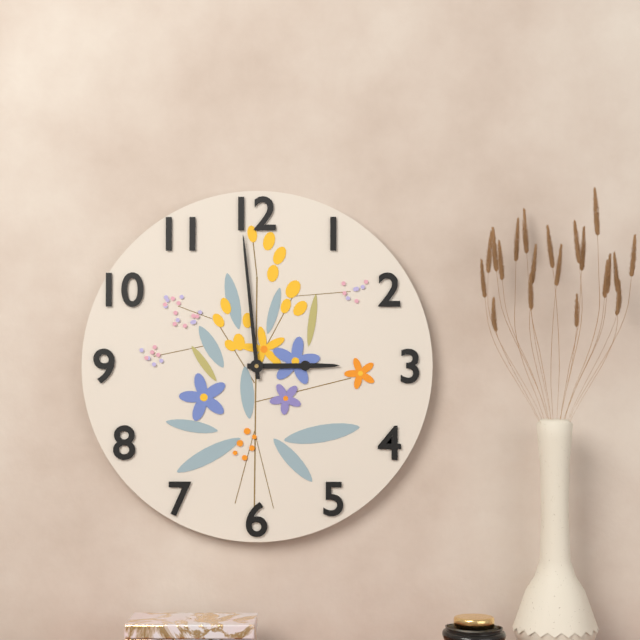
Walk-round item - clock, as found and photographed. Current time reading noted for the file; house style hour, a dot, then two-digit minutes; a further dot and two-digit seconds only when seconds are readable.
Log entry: 2.59
